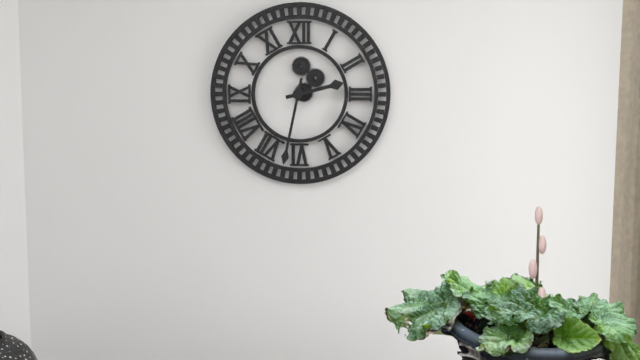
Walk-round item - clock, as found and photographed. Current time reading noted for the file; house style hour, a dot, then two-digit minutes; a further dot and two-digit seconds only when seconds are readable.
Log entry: 2.32
